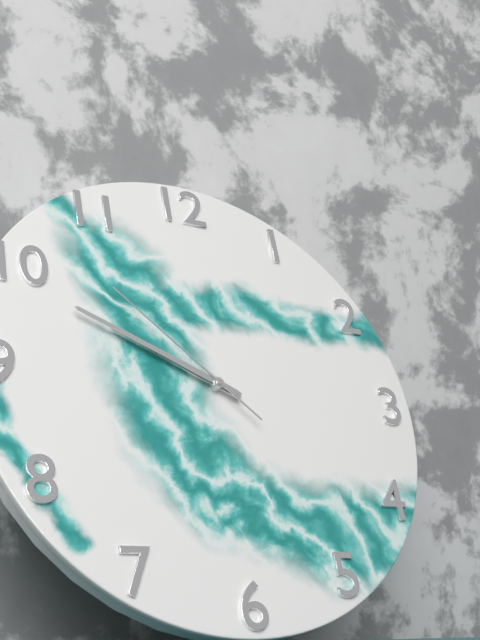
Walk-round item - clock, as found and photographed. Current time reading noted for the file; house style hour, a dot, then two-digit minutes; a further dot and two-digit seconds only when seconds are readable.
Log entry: 9.49.52
